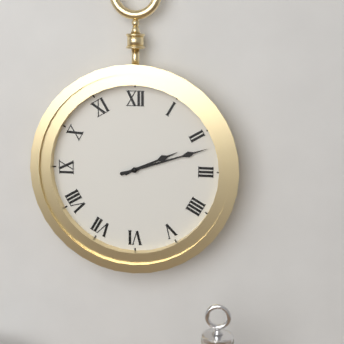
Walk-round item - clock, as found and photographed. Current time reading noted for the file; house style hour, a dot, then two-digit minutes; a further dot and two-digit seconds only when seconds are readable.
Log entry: 2.12
